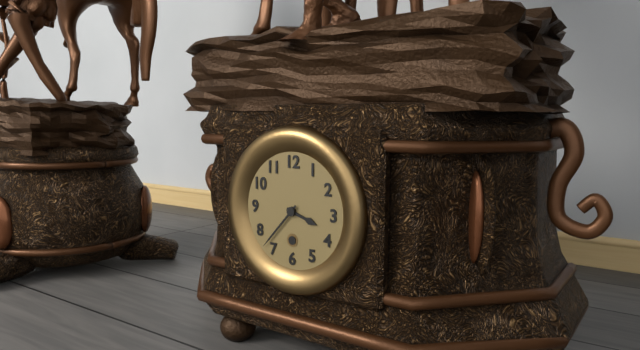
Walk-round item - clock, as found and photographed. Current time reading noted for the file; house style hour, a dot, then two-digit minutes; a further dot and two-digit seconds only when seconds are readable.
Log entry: 3.37
